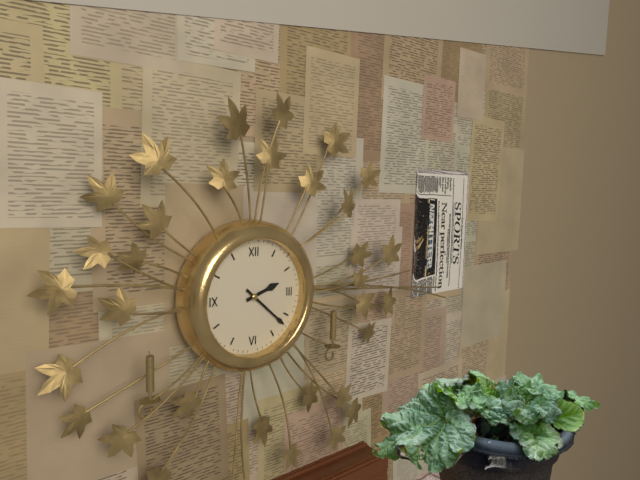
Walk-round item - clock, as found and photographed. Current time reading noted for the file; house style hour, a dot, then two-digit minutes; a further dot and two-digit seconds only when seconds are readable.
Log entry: 2.22
